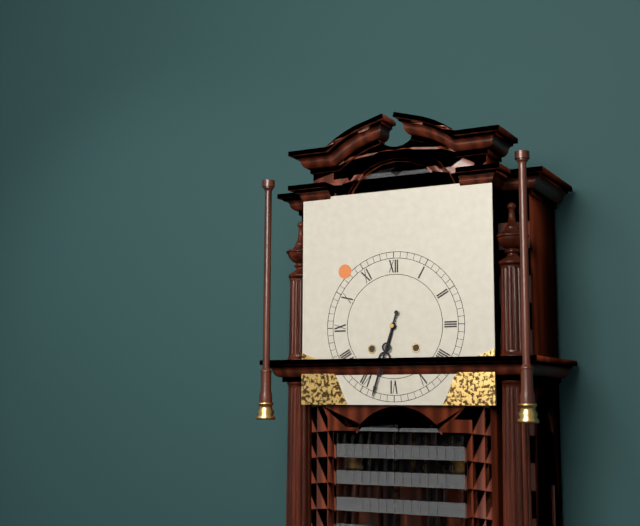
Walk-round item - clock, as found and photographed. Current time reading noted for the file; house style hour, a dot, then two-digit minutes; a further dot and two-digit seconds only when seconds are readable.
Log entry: 6.33
